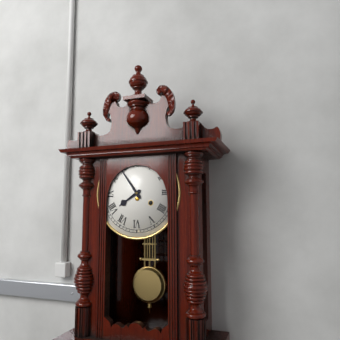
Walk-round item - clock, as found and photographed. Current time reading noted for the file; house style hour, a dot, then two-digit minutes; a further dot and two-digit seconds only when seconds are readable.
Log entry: 7.54
